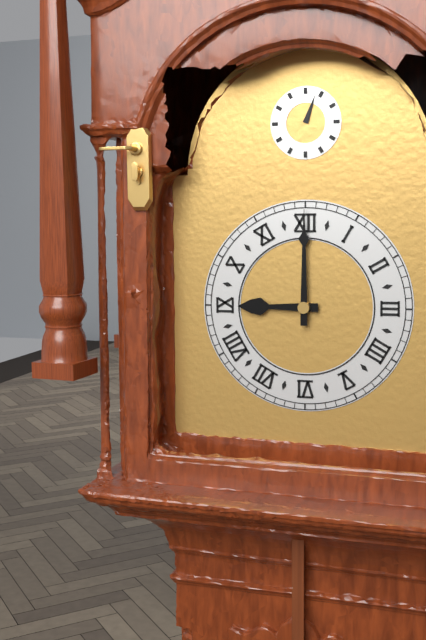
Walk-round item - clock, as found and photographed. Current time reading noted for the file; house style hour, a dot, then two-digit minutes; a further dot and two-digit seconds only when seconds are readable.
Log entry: 9.00
